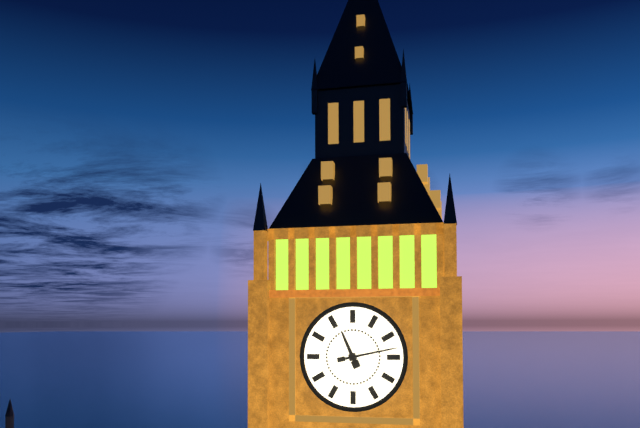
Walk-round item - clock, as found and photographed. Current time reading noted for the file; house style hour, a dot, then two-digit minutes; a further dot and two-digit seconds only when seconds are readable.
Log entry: 11.13
